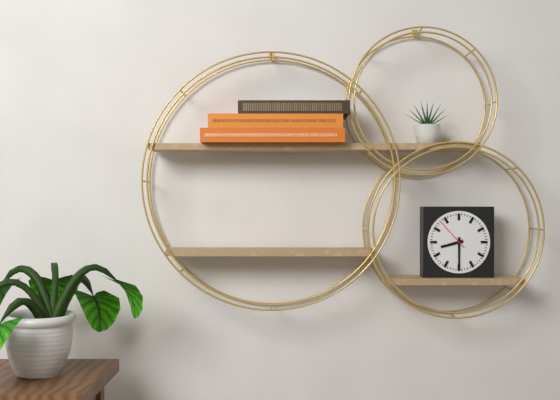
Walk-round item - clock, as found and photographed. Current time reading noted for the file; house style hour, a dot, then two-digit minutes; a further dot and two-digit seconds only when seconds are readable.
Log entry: 8.30
